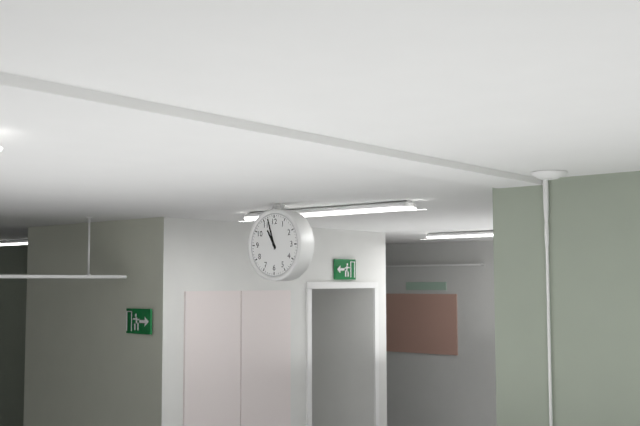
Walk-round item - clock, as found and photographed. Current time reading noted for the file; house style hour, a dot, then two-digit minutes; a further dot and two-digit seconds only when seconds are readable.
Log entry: 10.57
